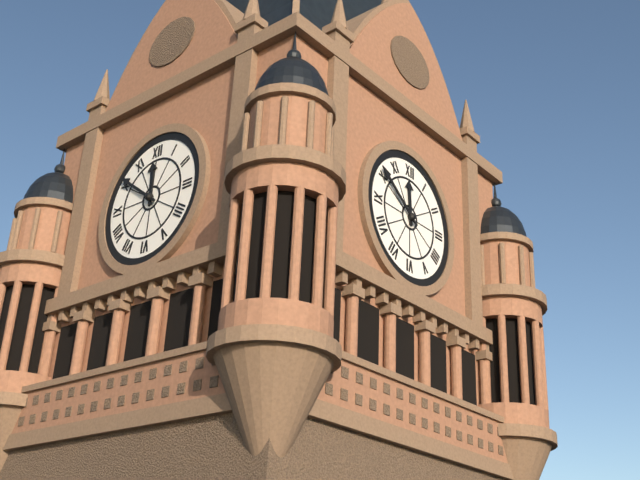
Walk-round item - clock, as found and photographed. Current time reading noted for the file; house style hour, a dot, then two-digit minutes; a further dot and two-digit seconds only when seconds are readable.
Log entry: 11.51
